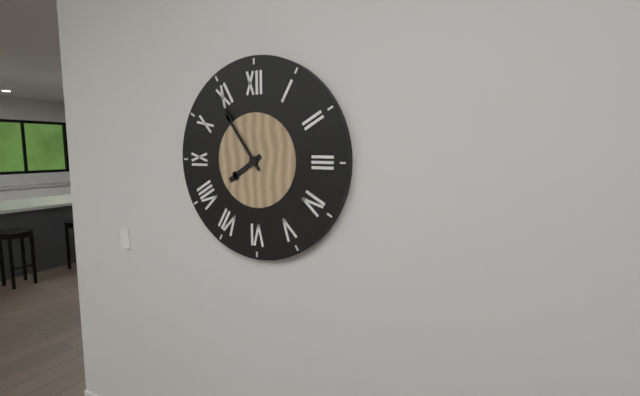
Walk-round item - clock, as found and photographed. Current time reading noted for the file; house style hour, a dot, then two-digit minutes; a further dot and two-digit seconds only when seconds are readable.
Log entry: 7.54
